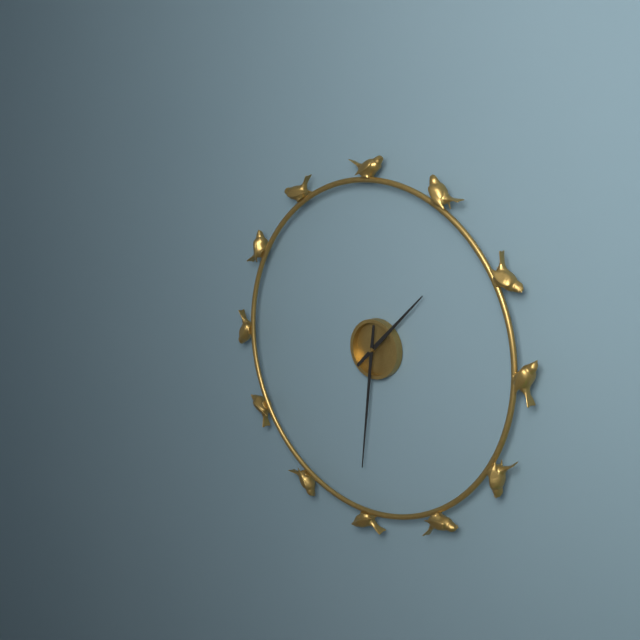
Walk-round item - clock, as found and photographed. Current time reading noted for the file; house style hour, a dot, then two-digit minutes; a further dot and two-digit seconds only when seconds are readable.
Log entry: 1.31
